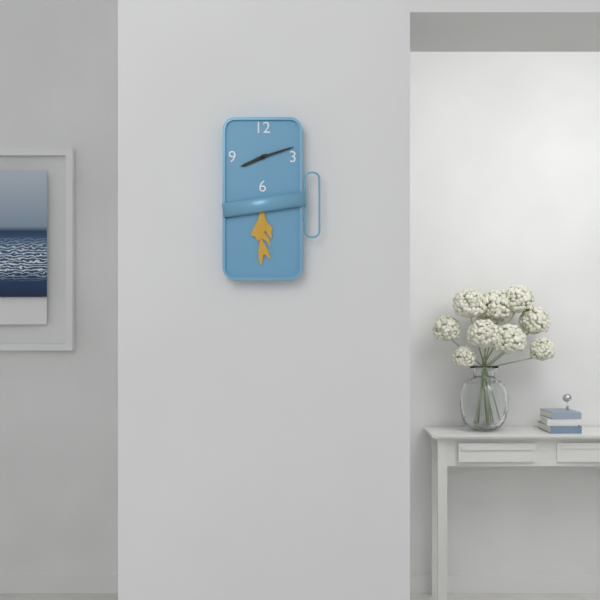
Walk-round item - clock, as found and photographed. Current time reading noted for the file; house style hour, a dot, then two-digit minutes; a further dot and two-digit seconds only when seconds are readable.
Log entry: 8.12
